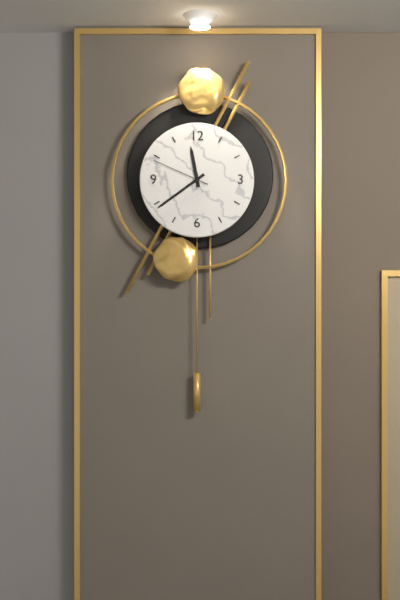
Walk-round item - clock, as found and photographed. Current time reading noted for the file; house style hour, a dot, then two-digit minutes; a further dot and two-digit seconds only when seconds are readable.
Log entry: 11.39.49
